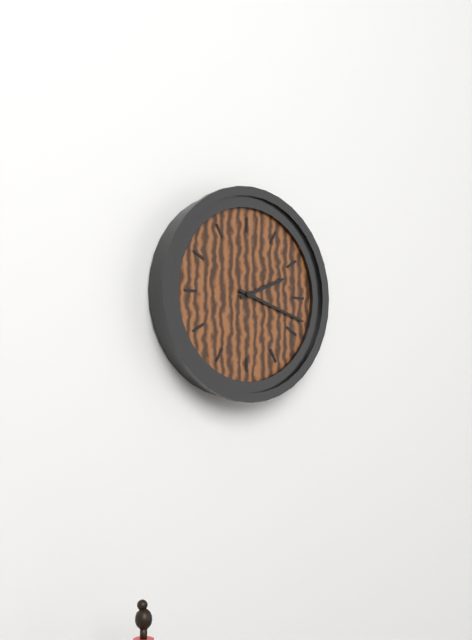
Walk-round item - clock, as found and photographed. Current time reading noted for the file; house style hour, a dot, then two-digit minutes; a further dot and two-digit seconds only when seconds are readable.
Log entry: 2.18
